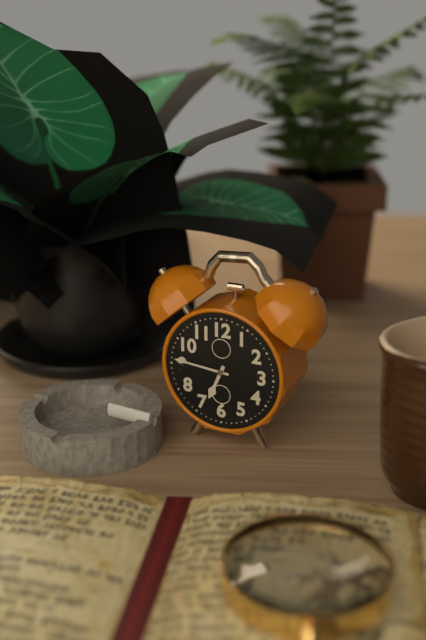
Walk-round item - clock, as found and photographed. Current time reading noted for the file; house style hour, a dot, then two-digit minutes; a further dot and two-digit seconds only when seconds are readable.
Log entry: 6.46
